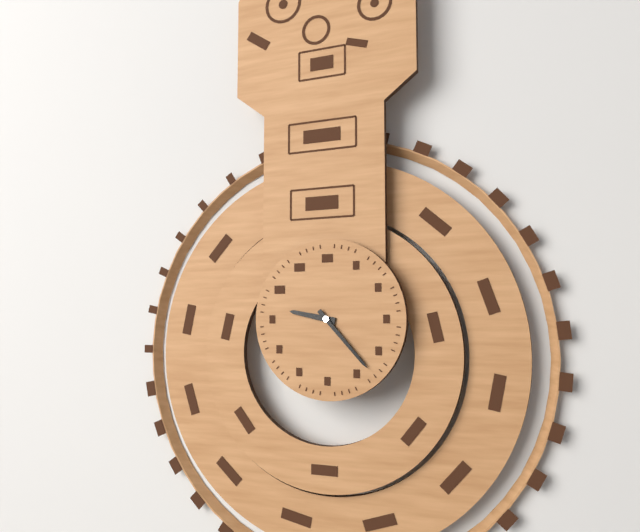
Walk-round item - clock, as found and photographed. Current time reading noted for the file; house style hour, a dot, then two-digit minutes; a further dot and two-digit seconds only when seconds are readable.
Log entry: 9.23
